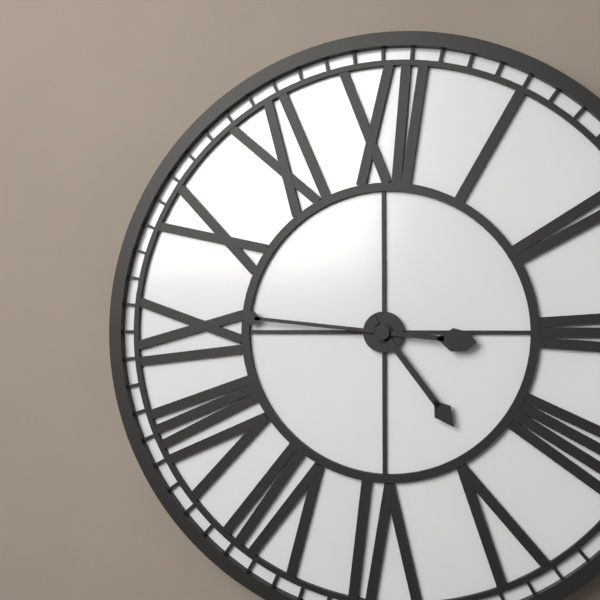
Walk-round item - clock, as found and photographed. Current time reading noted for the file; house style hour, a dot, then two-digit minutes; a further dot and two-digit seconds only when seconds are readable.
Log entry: 4.46
